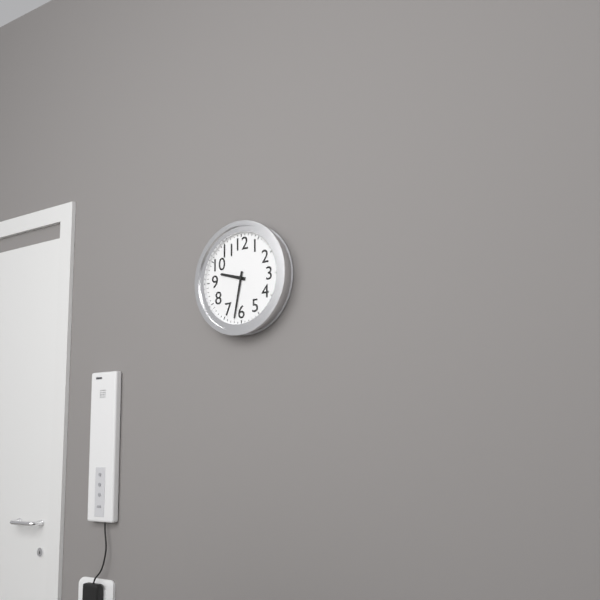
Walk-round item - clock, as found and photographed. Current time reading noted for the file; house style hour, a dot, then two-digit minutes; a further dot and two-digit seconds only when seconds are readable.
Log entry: 9.32
